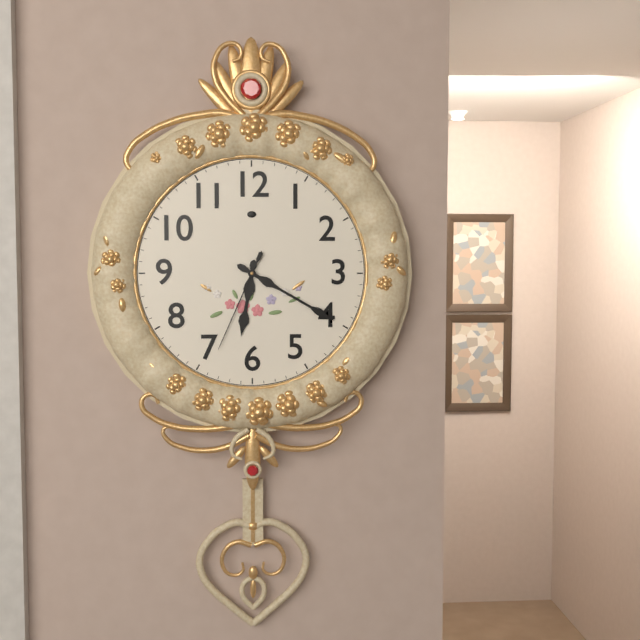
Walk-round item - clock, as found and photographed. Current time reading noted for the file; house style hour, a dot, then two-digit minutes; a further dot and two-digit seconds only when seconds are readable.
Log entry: 6.20.34
